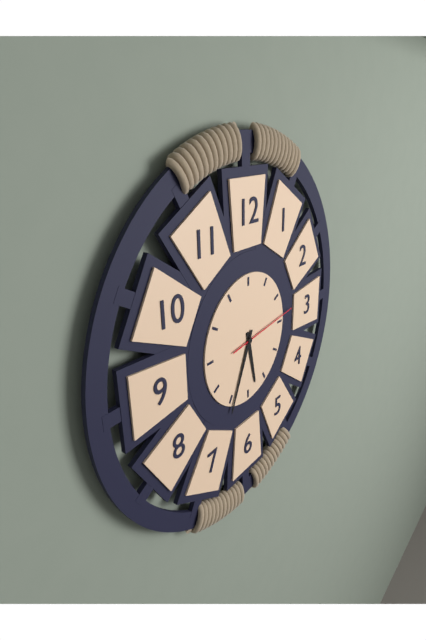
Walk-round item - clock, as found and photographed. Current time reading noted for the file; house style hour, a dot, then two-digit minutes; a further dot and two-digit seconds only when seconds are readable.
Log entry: 5.34.14
